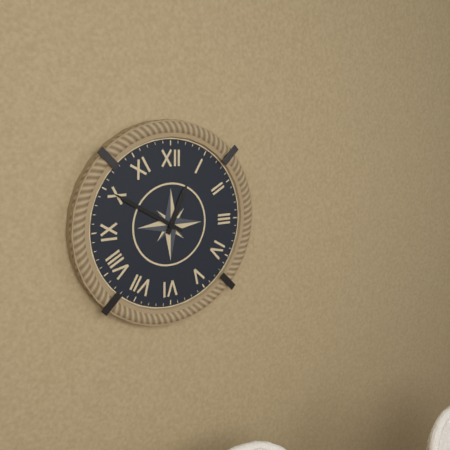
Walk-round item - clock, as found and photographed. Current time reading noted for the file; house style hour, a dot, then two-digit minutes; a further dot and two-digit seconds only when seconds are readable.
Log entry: 12.50
